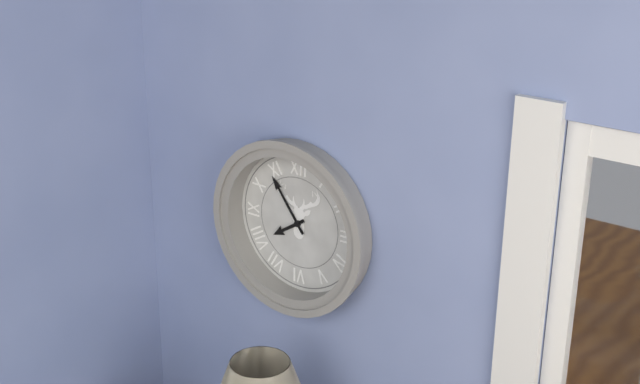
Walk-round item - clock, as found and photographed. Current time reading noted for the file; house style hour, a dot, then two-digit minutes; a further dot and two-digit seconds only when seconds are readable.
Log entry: 7.54
